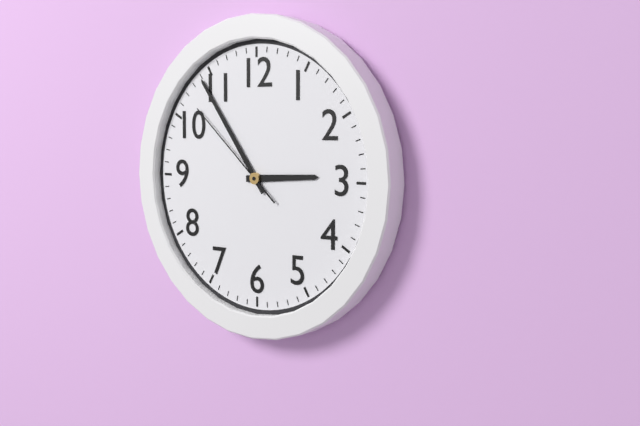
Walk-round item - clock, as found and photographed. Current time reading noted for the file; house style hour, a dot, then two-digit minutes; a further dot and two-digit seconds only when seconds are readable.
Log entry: 2.54.52
